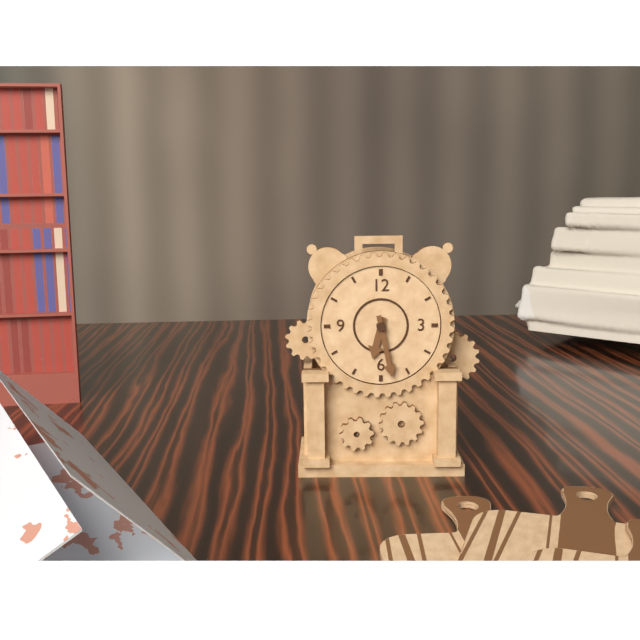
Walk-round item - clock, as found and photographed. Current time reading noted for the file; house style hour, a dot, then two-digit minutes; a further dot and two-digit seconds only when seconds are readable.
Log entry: 6.28
